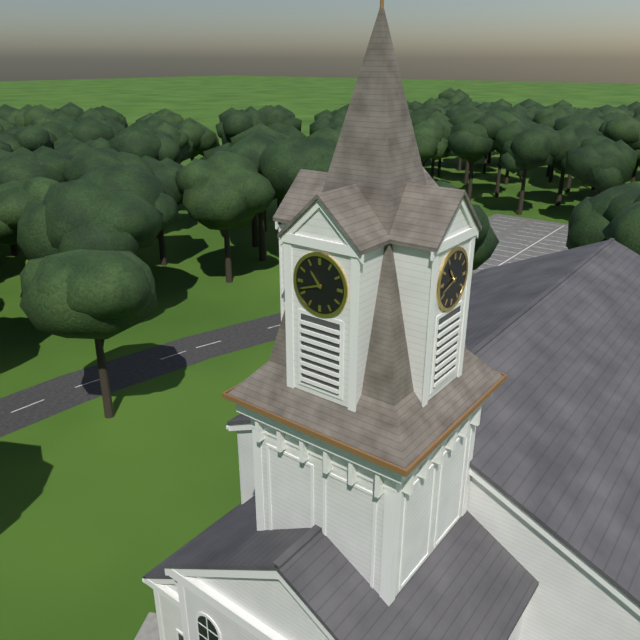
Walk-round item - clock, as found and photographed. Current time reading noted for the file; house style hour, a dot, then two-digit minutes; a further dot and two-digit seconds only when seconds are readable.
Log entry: 10.42
